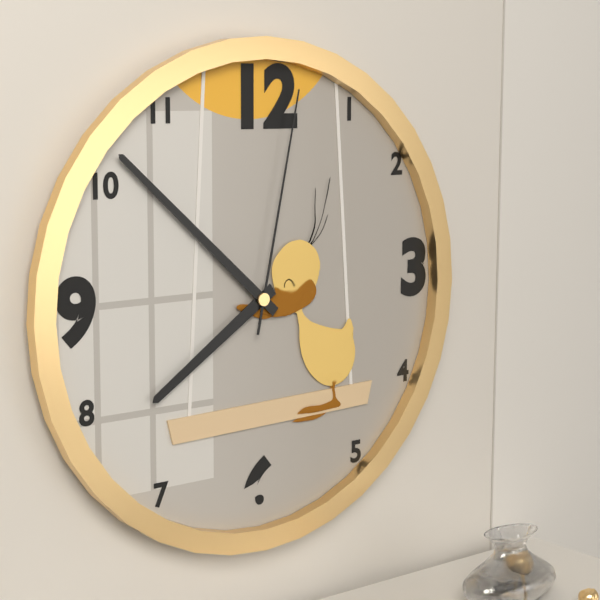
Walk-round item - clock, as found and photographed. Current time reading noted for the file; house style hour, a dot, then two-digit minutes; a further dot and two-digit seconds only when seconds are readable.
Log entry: 7.52.02
